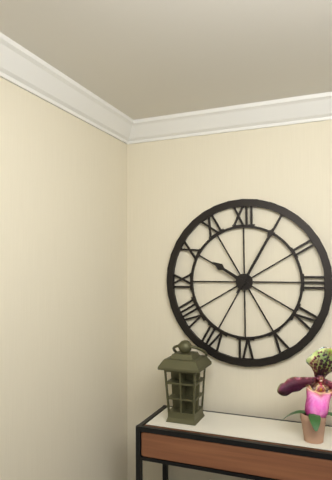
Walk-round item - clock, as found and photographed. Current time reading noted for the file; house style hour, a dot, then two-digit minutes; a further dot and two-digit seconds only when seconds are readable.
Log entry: 10.05
